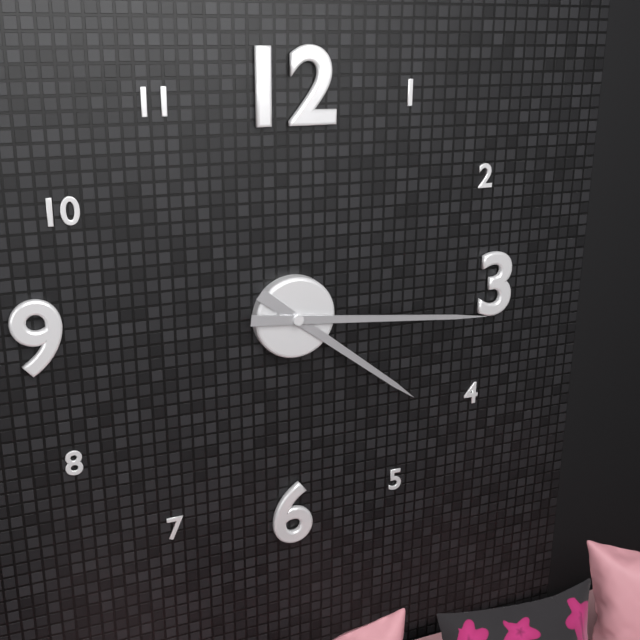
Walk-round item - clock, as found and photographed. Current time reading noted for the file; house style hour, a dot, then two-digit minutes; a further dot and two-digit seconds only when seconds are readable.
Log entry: 4.16
